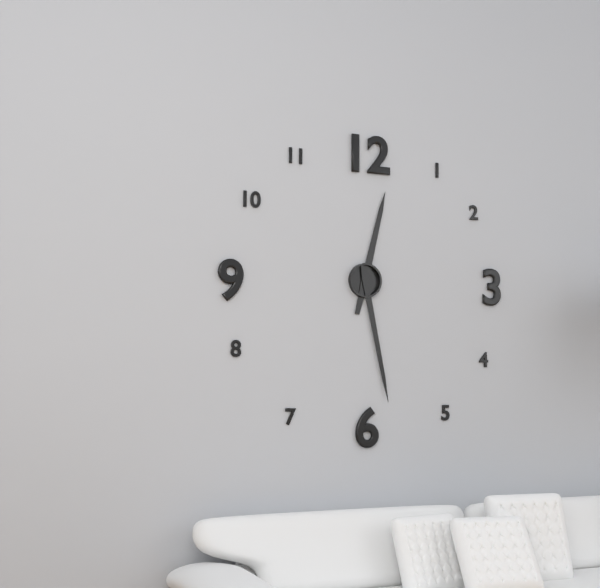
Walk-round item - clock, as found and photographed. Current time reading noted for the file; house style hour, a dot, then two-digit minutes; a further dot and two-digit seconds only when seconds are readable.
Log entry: 12.28
